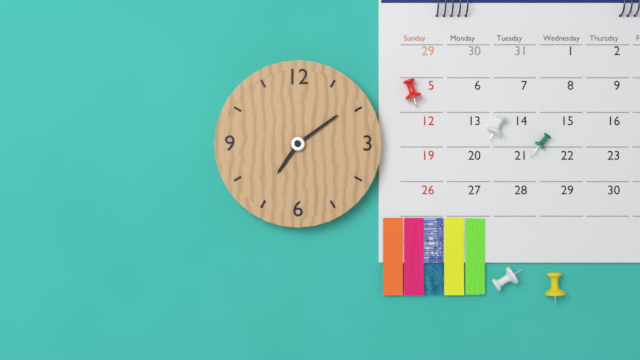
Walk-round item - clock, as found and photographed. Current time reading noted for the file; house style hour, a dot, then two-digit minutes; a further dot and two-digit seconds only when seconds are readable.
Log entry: 7.09
